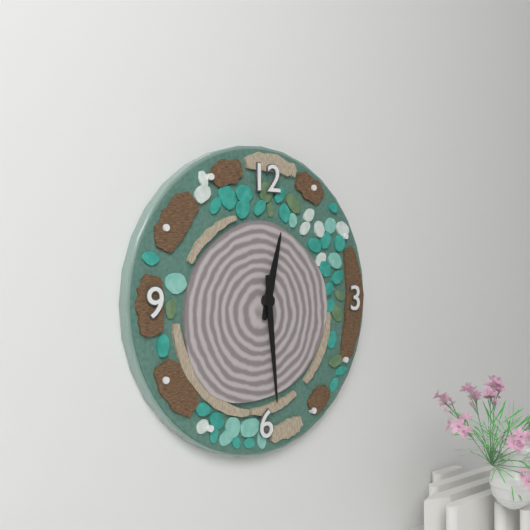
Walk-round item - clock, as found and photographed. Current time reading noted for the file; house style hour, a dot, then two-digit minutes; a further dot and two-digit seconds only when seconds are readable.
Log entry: 12.29
